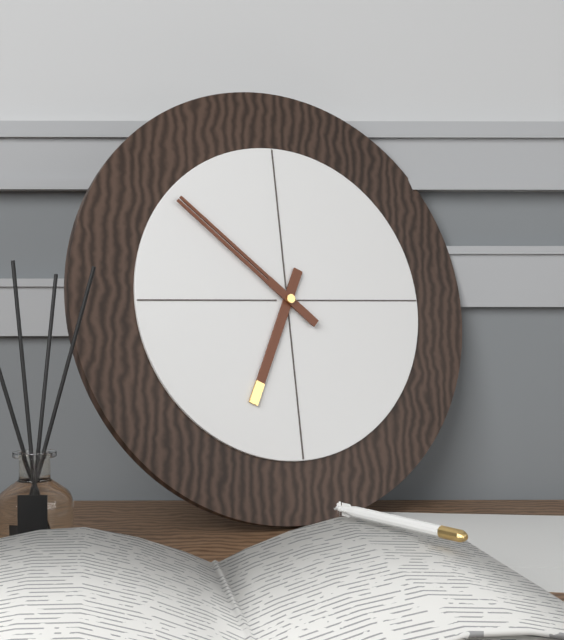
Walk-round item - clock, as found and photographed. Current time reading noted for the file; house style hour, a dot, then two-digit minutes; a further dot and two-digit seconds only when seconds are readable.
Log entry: 6.52
